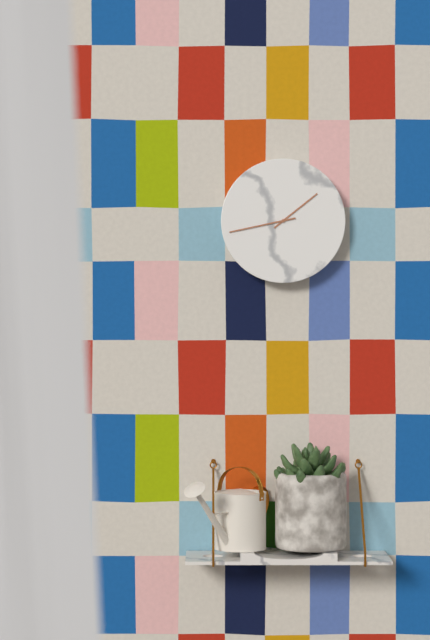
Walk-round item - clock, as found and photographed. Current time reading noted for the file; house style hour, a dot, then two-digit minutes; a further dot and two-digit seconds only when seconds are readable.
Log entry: 1.43
